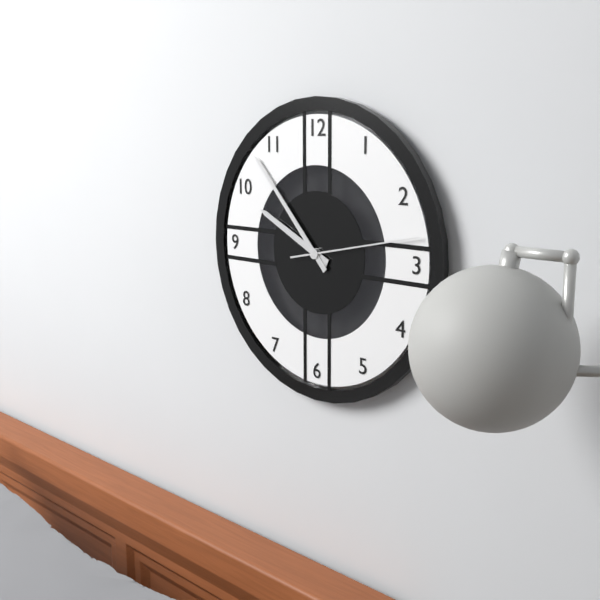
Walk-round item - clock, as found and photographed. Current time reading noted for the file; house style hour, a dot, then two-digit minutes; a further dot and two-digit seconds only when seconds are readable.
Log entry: 9.53.13
